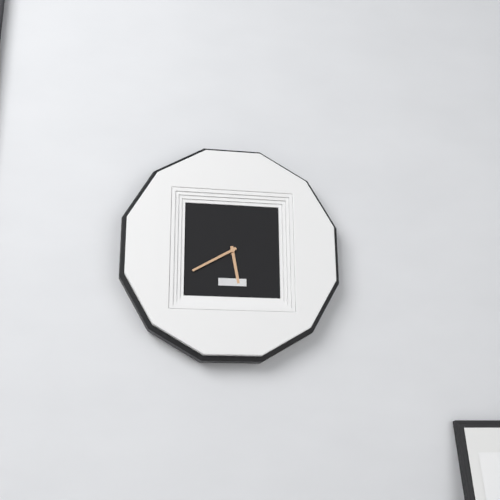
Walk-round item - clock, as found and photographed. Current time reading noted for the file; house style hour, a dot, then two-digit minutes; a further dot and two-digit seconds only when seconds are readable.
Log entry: 5.40
